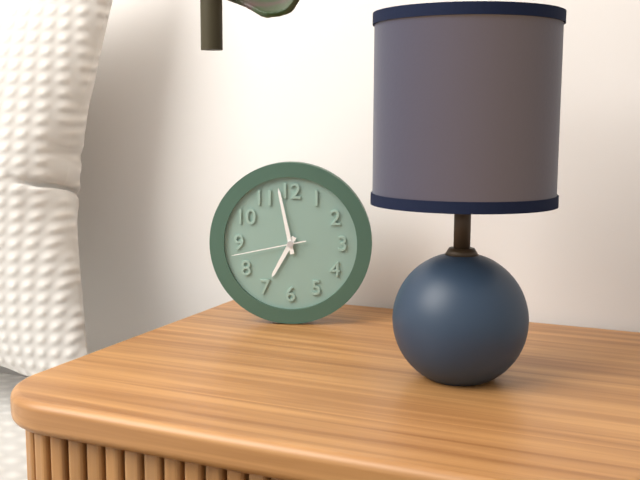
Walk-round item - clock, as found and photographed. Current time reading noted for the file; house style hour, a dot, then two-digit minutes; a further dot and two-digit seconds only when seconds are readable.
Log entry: 6.58.43
